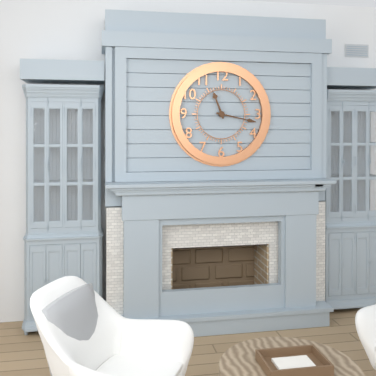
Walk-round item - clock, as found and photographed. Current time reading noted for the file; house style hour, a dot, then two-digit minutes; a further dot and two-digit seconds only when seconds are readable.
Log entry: 11.17
